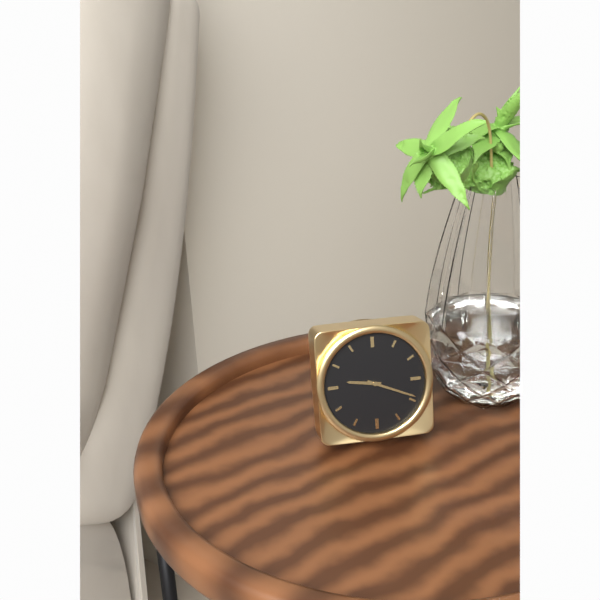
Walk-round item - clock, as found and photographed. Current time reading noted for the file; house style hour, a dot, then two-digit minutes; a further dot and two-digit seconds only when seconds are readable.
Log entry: 9.19
